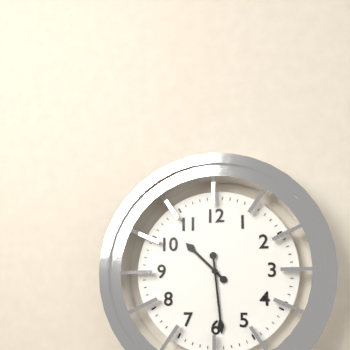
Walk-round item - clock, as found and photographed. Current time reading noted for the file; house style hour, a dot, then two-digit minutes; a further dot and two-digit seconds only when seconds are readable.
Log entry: 10.29
